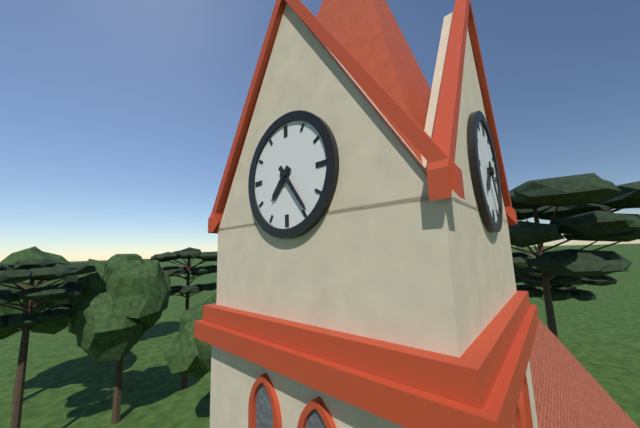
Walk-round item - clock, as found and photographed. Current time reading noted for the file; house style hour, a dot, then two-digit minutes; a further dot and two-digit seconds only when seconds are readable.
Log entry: 7.24
